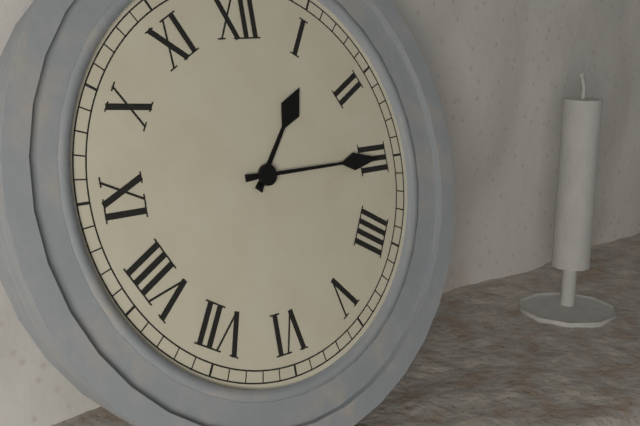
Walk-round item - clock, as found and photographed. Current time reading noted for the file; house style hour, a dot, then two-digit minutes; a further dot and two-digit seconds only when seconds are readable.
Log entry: 1.15
